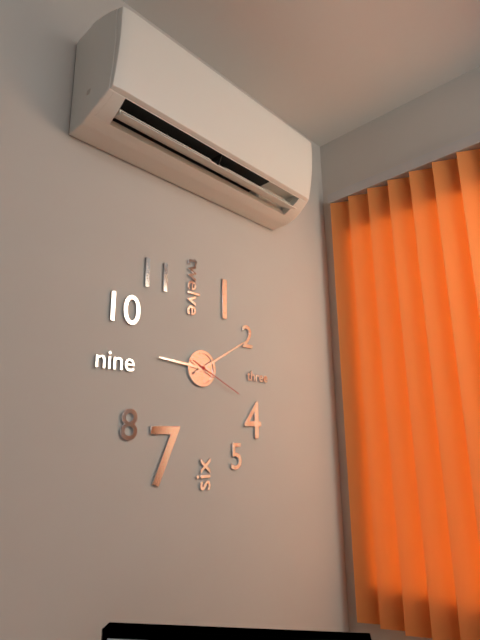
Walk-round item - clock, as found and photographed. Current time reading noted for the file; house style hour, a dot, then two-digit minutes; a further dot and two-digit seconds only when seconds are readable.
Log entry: 9.10.19
